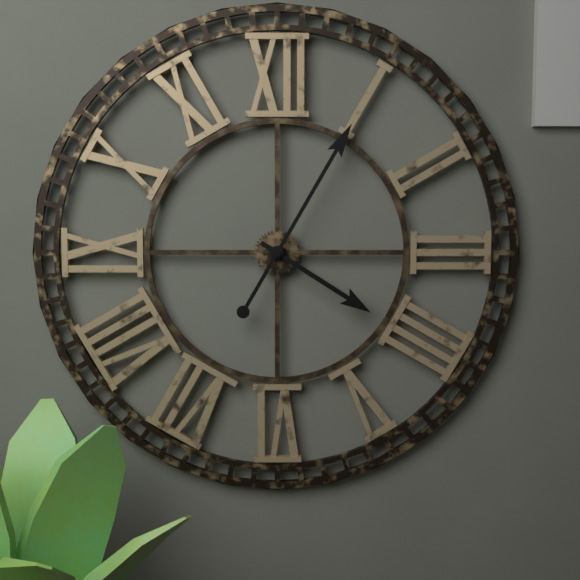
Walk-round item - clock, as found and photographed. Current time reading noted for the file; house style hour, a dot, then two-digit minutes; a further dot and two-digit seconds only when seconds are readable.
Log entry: 4.05
